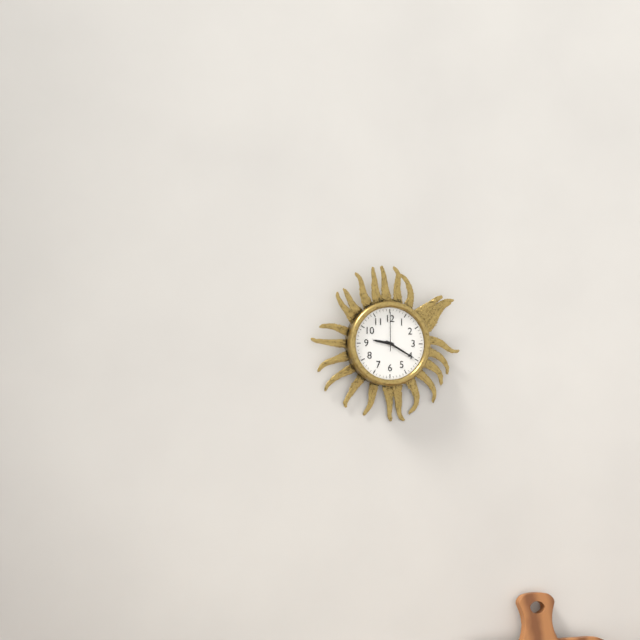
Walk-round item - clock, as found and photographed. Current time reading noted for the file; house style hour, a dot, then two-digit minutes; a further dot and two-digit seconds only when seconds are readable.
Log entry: 9.20
